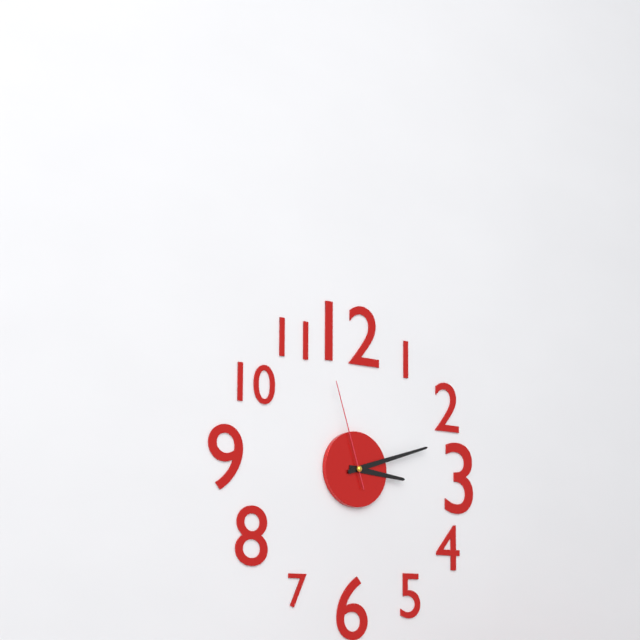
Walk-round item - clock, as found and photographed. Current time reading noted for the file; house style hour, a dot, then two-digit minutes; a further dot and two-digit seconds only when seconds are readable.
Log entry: 3.12.57
